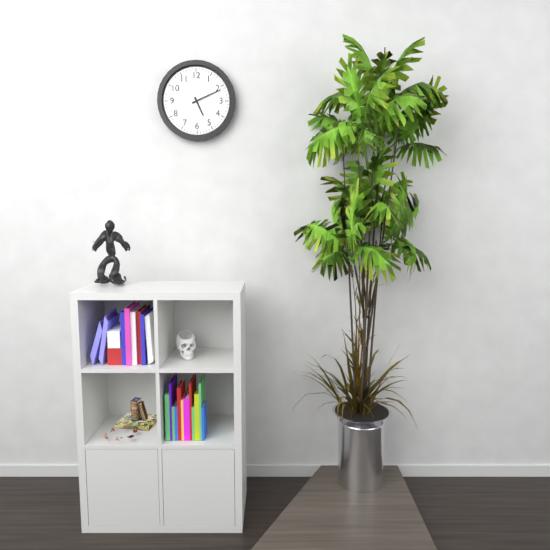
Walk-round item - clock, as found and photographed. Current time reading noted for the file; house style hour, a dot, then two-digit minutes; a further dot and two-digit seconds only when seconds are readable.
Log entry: 5.11
